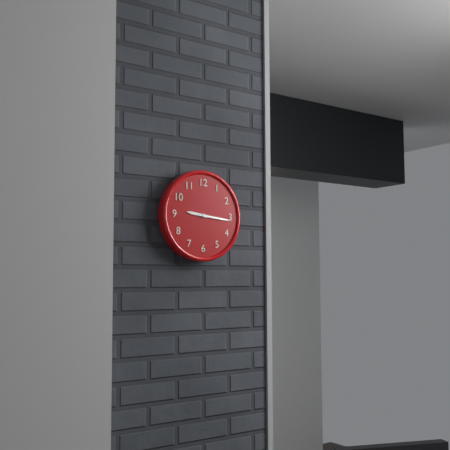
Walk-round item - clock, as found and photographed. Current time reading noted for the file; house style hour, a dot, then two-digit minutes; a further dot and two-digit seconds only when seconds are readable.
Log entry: 9.16
